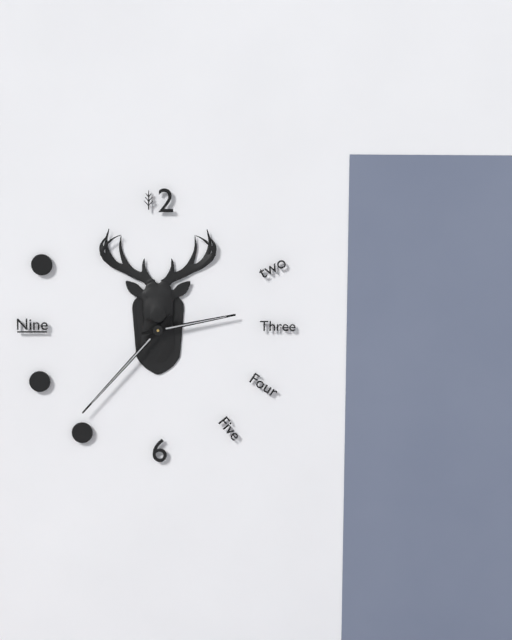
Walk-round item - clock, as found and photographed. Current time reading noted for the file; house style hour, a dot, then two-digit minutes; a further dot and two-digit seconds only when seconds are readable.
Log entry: 2.37
